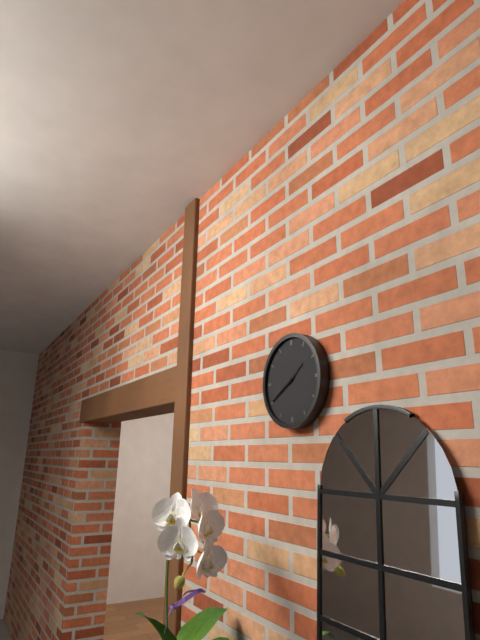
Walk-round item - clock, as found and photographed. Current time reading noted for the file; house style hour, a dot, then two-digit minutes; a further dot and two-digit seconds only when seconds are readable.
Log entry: 1.40
